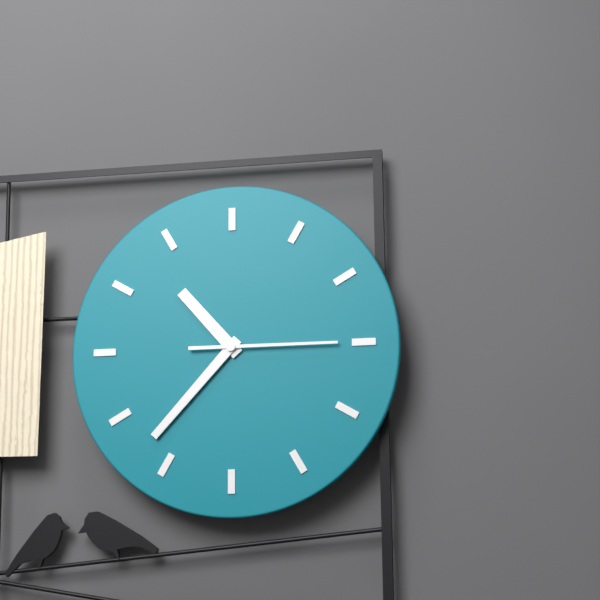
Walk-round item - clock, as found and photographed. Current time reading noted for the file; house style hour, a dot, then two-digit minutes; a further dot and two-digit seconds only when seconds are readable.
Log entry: 10.37.15
